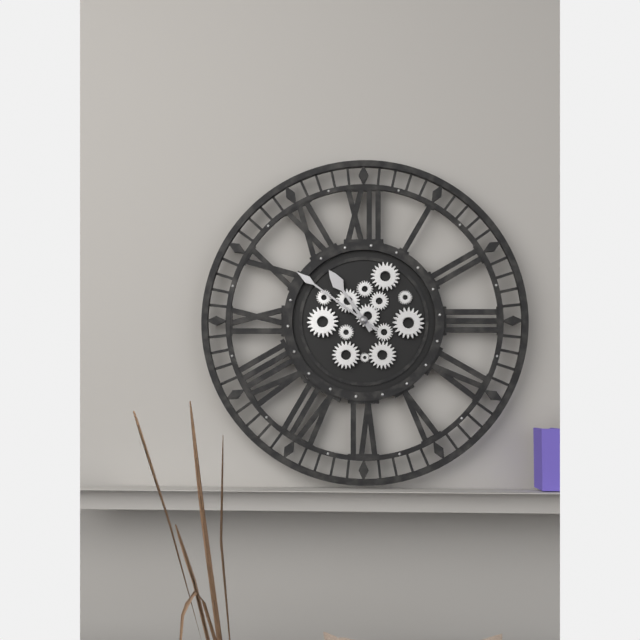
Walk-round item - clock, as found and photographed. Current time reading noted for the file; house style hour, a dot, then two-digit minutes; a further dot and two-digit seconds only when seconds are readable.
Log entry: 10.51
